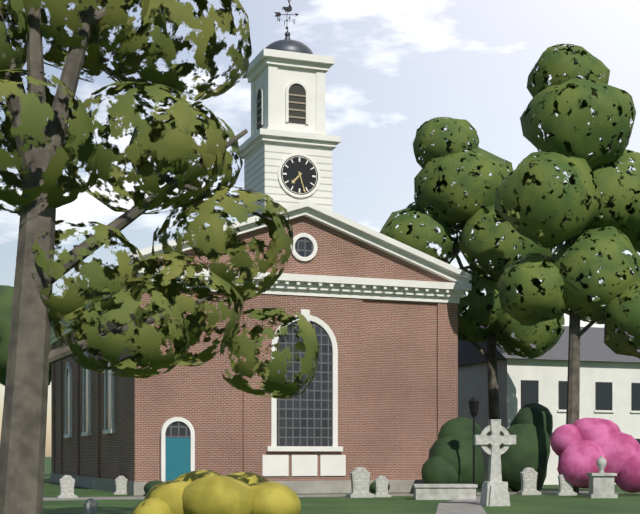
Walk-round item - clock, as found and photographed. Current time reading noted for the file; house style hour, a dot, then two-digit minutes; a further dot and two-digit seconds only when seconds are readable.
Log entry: 7.27
